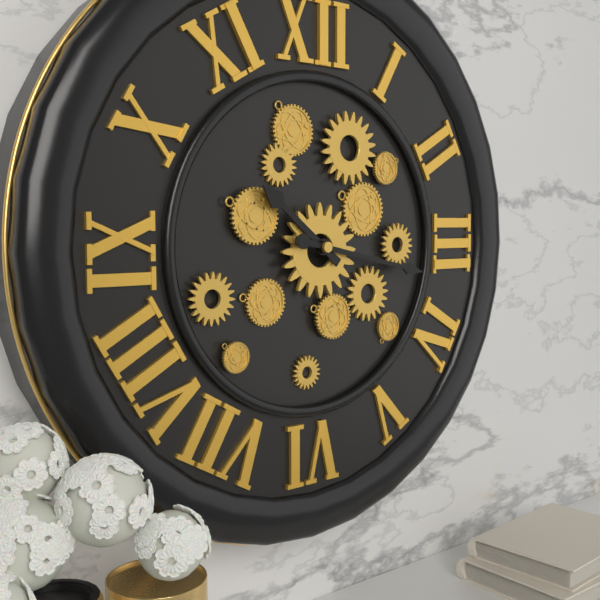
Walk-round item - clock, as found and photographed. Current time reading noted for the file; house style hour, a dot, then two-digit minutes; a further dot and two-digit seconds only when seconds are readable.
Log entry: 10.17
